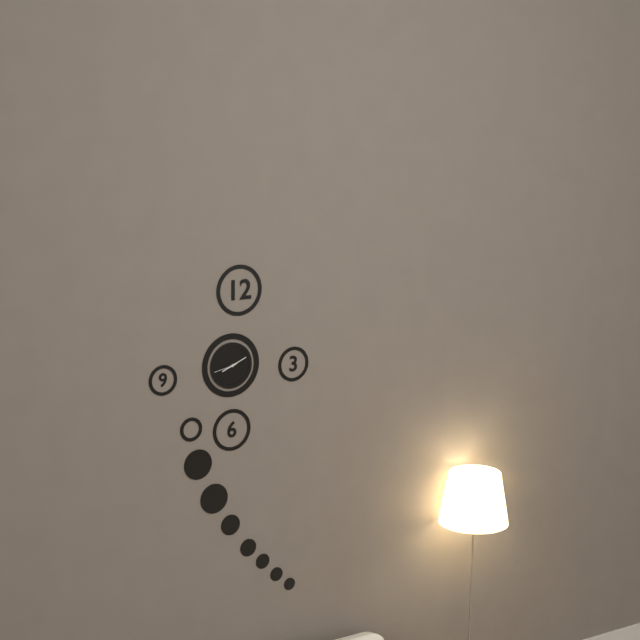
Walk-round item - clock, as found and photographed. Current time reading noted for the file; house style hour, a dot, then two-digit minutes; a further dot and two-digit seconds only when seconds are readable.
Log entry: 8.11
